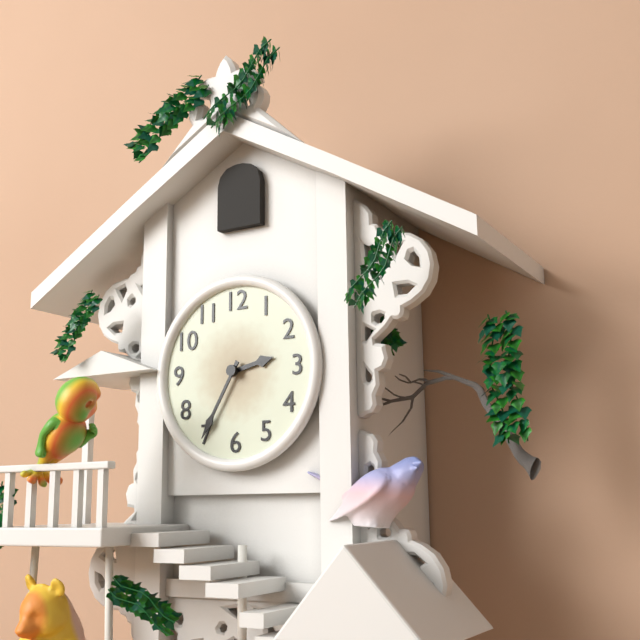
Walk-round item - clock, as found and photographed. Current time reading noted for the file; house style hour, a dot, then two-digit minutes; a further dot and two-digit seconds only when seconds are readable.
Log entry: 2.35
